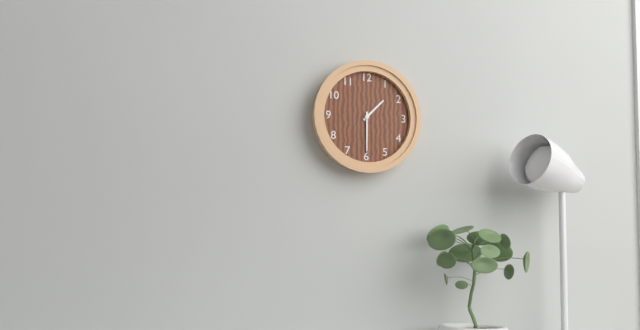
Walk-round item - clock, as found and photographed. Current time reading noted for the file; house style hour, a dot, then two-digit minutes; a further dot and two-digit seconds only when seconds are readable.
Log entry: 1.30
